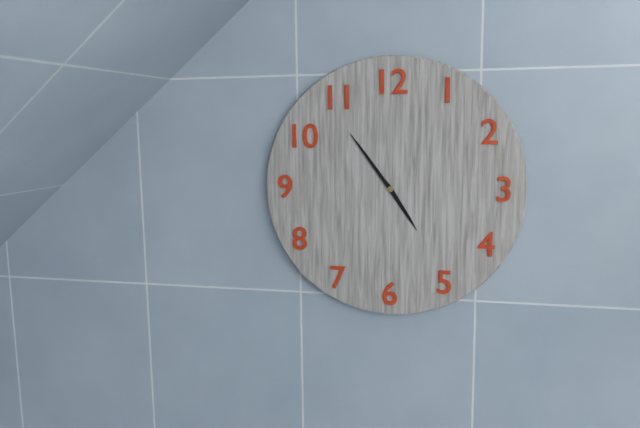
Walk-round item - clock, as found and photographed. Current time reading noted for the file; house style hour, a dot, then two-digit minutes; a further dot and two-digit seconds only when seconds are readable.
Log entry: 4.54
